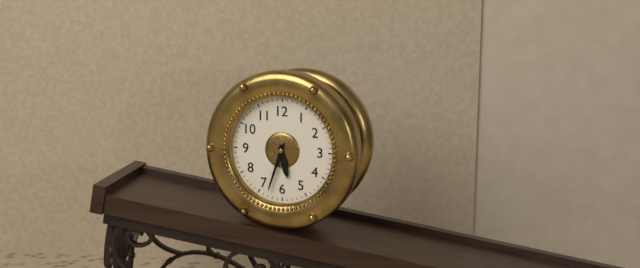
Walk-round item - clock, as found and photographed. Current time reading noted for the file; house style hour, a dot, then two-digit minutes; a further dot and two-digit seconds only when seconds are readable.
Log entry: 5.33
